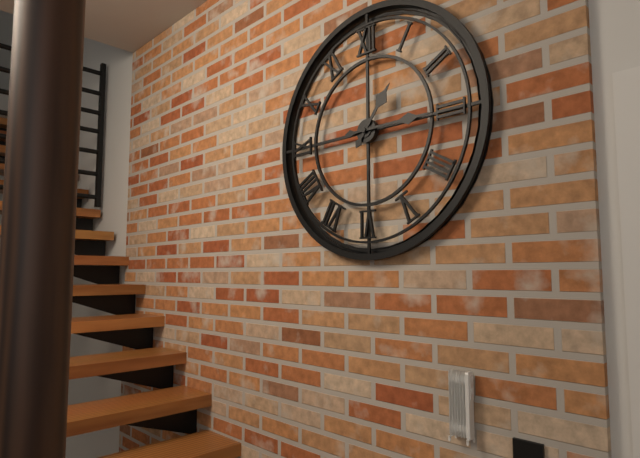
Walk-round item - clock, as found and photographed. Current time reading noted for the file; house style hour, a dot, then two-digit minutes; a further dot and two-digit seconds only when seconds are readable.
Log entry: 1.15
